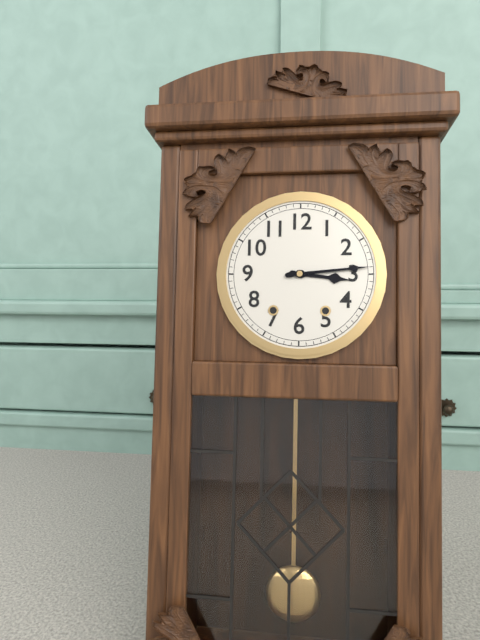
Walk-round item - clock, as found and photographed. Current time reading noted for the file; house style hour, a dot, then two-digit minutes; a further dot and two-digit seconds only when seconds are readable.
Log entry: 3.14
